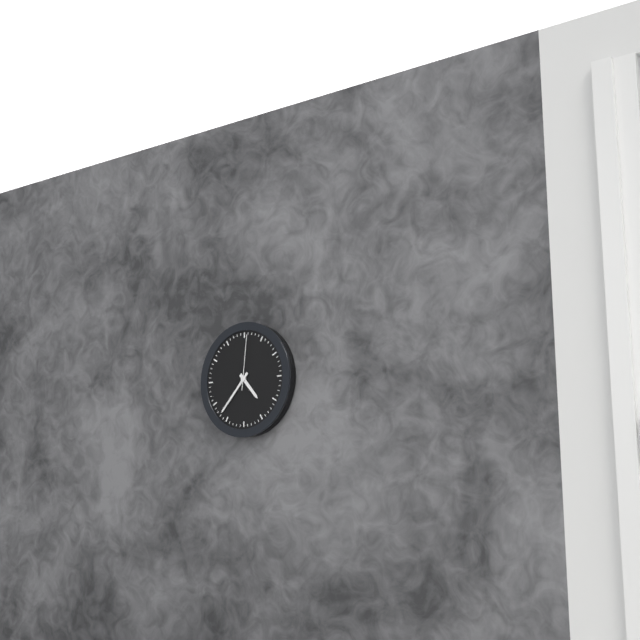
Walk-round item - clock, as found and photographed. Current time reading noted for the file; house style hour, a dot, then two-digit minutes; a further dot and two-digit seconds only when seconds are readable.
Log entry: 4.37.01
